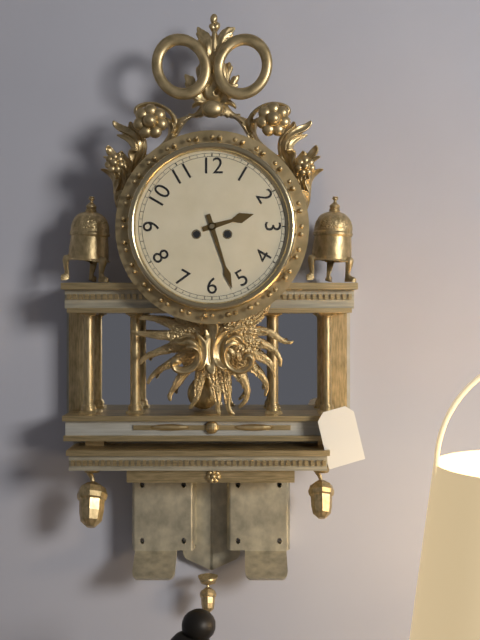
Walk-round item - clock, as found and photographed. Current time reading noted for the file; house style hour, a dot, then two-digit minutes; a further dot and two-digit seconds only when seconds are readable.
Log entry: 2.27
